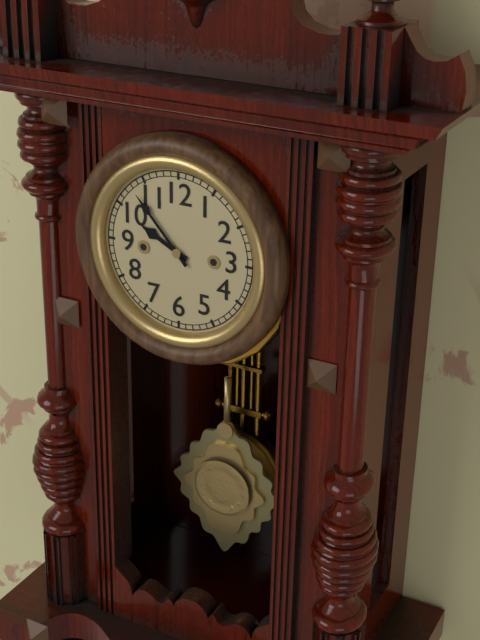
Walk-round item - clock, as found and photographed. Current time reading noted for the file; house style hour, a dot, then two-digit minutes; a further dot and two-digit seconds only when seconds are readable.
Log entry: 9.53
